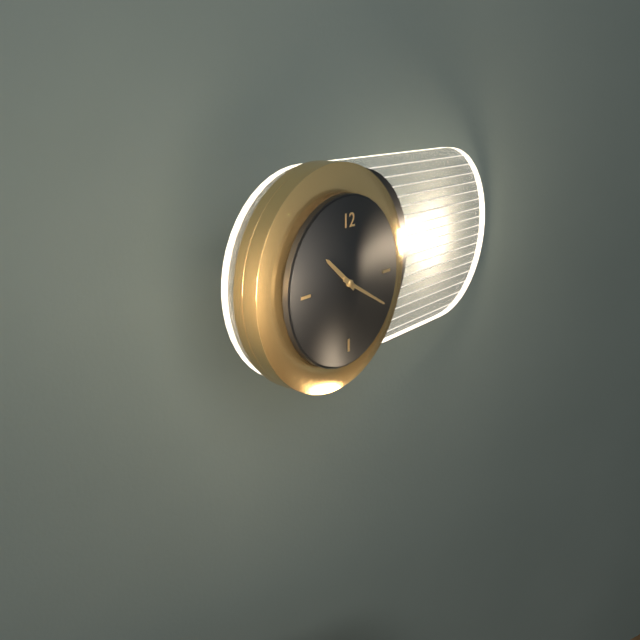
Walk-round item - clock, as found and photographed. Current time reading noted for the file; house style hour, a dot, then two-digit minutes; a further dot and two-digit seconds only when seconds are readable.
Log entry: 10.20
